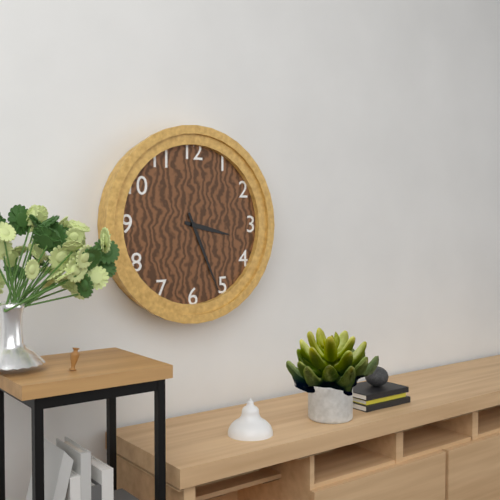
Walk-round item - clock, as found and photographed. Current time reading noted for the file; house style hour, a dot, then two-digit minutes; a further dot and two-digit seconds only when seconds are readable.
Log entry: 3.26
